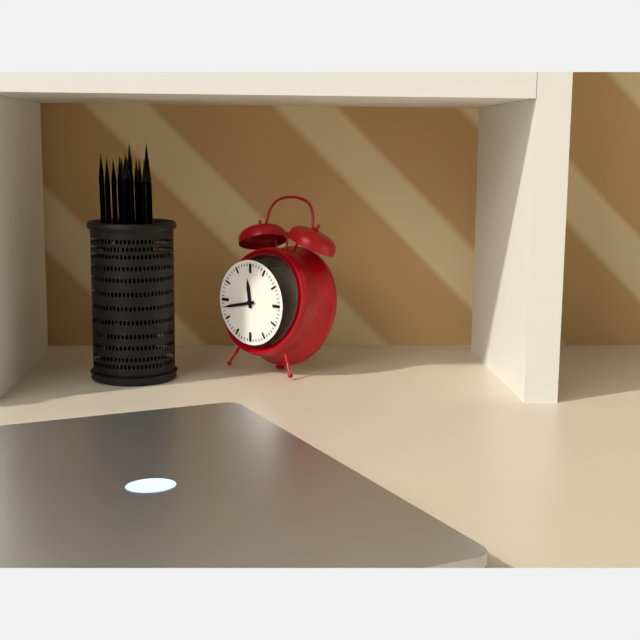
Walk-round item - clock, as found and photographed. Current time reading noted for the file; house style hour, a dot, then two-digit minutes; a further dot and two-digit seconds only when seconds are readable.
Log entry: 11.43
